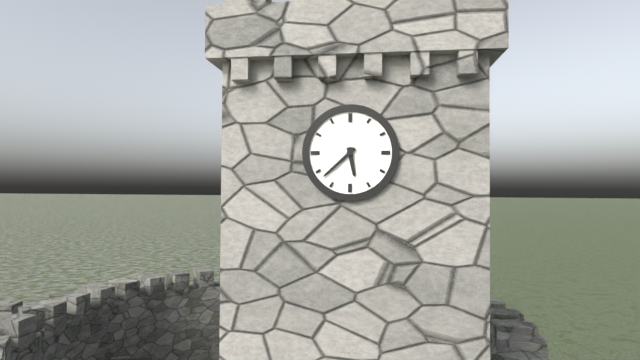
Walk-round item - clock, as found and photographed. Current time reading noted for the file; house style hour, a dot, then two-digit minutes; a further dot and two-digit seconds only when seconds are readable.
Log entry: 5.38
